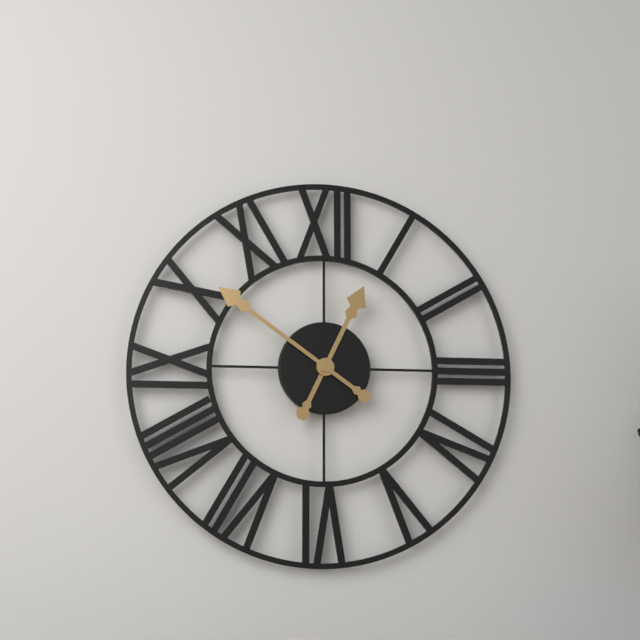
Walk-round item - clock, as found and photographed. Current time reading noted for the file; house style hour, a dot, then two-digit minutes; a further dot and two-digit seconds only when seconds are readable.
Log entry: 12.51
